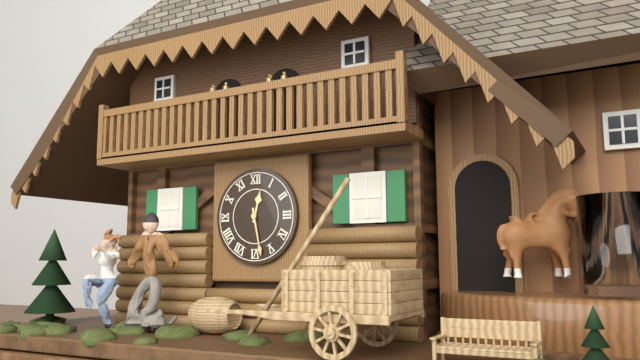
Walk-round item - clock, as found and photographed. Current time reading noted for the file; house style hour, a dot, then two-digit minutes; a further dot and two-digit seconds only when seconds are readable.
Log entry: 12.28
